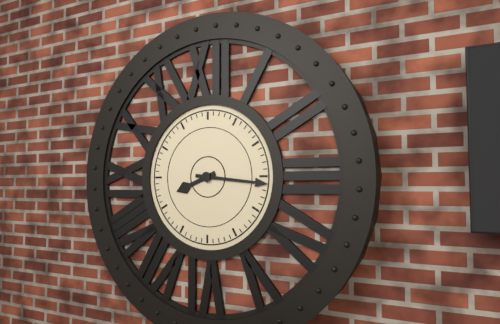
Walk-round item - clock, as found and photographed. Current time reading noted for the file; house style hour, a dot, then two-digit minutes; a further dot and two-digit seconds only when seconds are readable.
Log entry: 8.16
